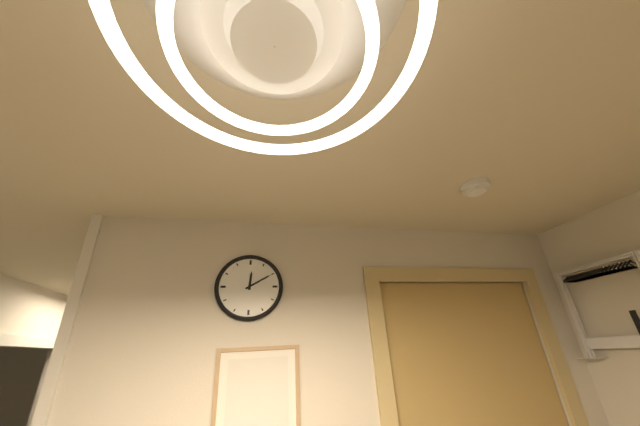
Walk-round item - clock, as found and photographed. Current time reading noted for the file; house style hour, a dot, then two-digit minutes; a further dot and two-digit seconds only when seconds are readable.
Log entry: 12.10
